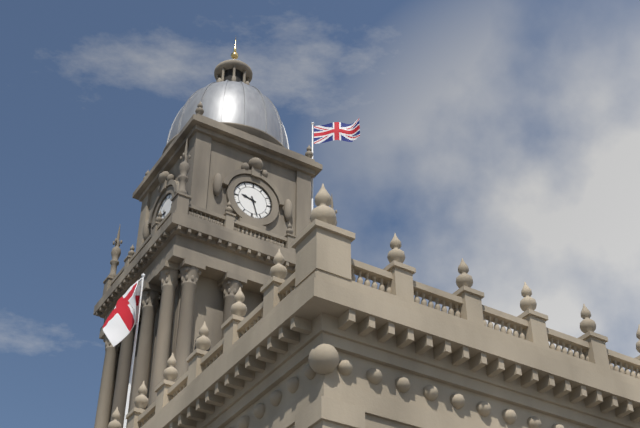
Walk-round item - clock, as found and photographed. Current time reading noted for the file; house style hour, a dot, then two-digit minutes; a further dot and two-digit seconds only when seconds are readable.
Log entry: 9.27
